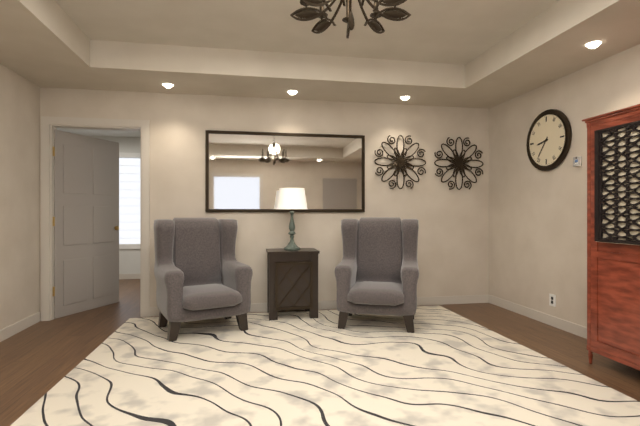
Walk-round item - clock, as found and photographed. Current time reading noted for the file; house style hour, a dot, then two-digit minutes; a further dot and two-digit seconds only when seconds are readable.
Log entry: 8.36
